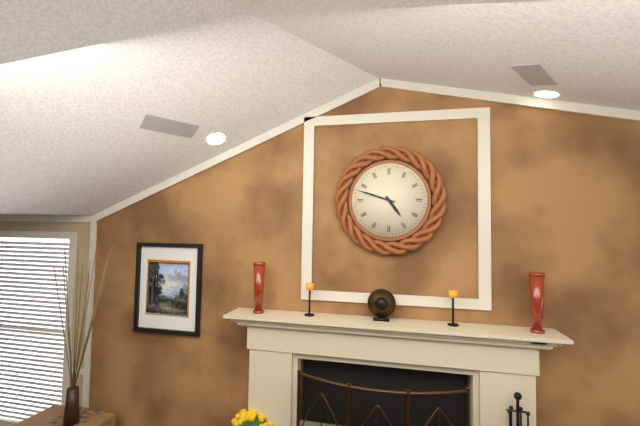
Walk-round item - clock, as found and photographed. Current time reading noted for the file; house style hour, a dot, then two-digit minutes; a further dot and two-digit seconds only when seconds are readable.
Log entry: 4.48
